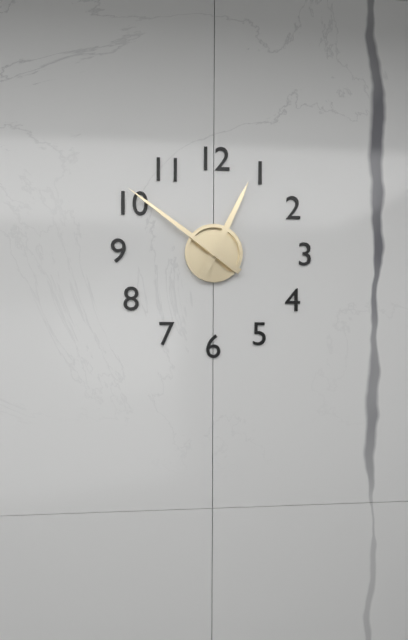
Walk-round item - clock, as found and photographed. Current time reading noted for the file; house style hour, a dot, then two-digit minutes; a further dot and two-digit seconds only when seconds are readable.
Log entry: 12.51
